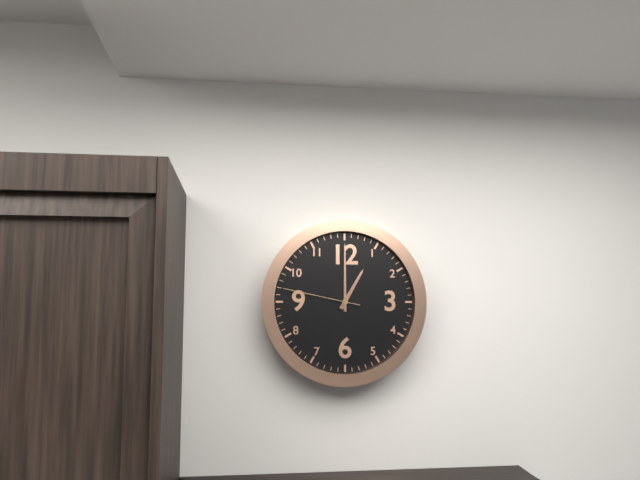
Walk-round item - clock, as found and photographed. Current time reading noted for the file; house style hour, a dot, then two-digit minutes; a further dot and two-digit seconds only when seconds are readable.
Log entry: 1.00.47
